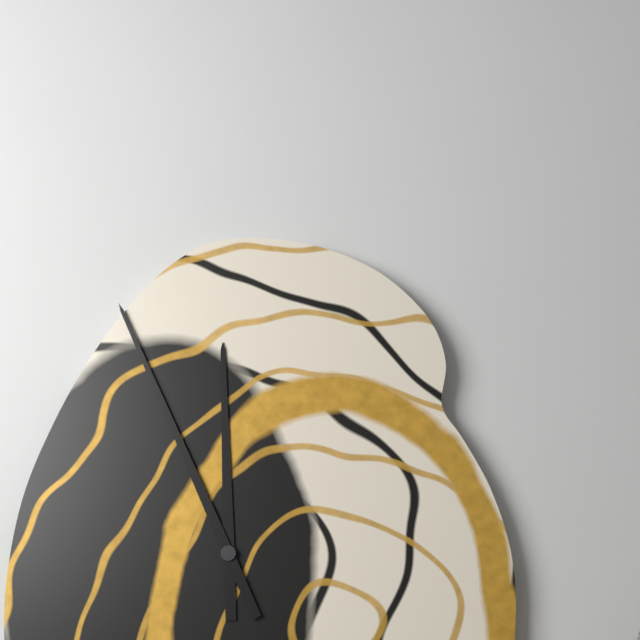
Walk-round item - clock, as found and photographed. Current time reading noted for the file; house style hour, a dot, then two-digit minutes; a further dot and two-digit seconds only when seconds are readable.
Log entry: 11.56
